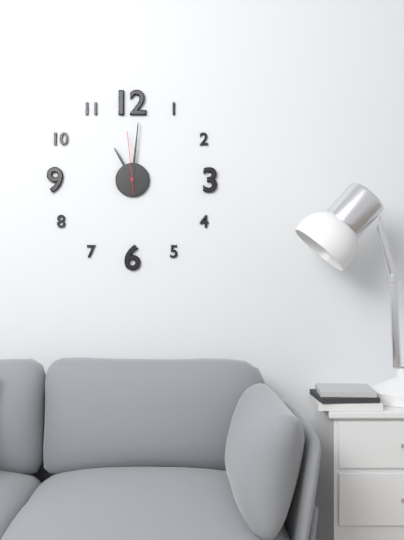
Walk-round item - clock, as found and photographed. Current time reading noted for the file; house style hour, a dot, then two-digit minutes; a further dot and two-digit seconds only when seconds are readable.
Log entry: 11.01.59
